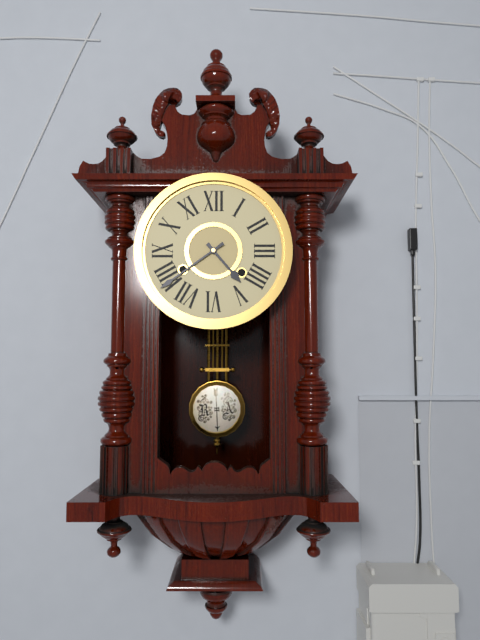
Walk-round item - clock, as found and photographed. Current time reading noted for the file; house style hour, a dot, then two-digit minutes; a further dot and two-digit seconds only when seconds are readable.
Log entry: 4.39
